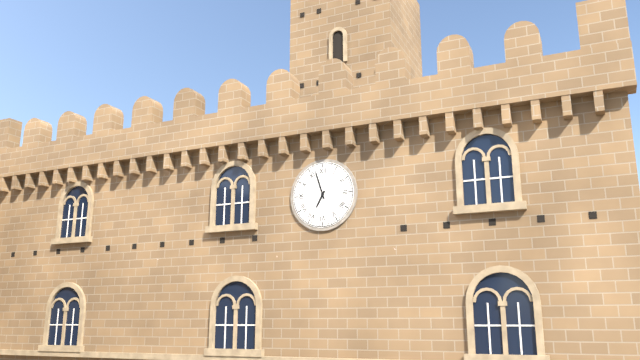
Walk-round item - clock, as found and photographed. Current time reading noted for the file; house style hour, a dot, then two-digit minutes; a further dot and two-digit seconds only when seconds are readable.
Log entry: 6.57
